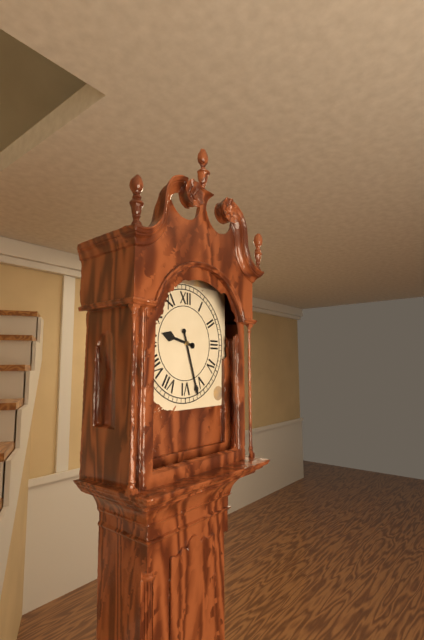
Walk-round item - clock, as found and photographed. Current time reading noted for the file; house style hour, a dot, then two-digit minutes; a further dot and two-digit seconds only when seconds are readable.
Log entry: 9.27
